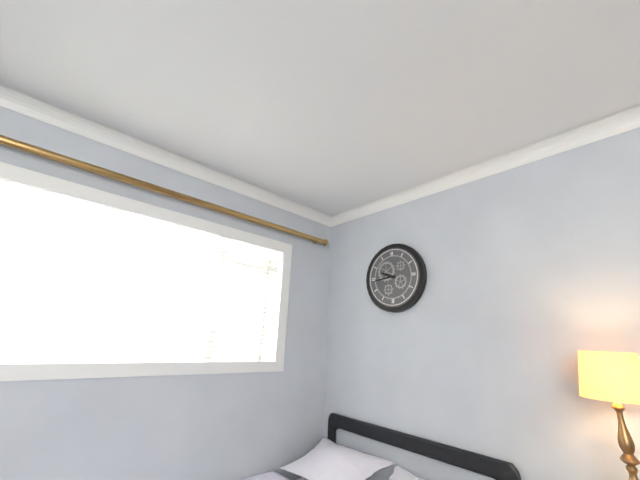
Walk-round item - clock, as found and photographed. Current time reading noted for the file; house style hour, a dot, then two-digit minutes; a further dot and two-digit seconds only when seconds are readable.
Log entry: 9.44
